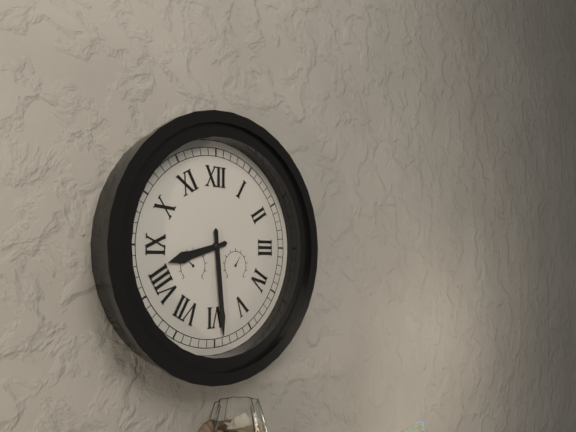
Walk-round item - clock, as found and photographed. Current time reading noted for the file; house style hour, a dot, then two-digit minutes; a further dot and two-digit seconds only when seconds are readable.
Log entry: 8.29
